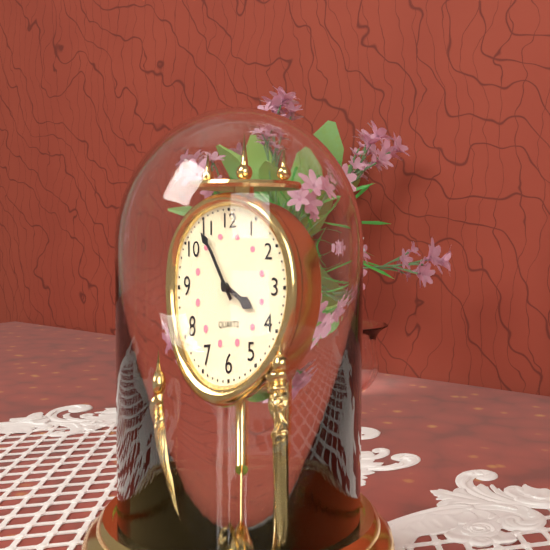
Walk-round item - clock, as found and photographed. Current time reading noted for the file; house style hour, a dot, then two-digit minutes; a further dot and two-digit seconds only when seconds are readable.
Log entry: 3.54
